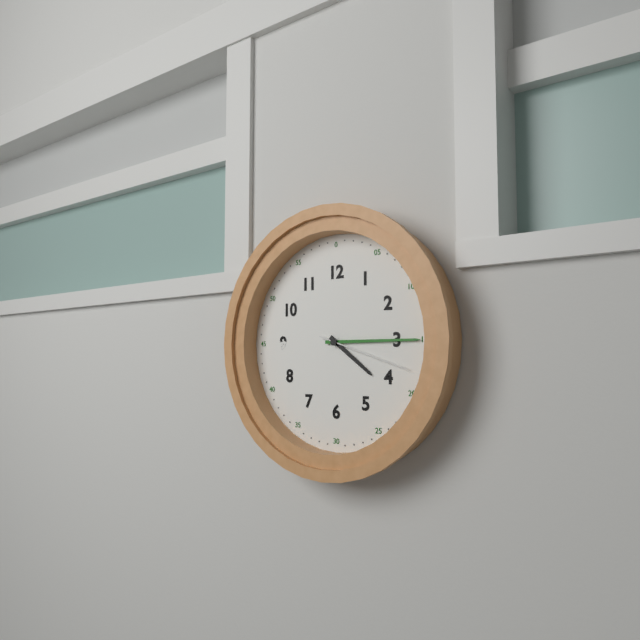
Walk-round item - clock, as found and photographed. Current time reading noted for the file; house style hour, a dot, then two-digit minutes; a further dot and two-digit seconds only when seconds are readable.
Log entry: 4.15.18
